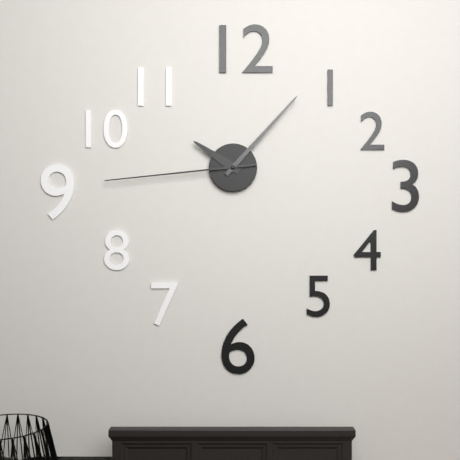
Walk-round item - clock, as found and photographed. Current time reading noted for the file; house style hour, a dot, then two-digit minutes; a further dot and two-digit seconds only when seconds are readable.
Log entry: 10.07.44
